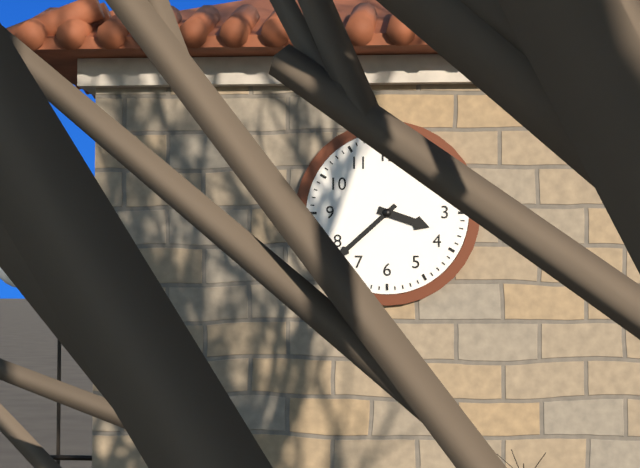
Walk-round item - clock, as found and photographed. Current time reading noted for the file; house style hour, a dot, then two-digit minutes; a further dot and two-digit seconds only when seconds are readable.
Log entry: 3.38
